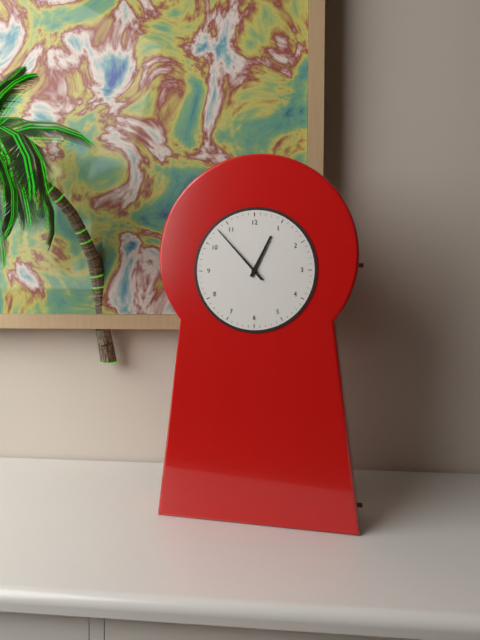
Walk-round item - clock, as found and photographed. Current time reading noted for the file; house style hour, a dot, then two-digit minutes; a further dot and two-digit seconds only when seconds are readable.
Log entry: 12.53
